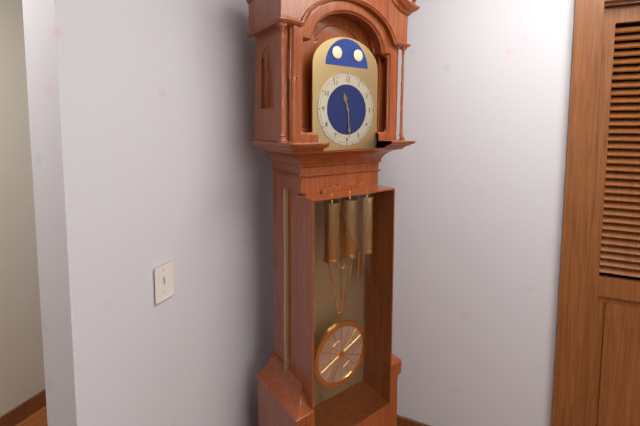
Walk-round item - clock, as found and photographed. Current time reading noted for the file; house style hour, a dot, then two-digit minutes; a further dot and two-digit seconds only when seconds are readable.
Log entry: 11.29
